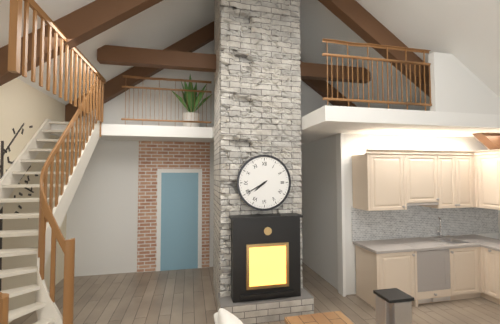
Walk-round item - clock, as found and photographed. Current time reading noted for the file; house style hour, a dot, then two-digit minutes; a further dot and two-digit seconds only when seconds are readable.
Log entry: 7.40
